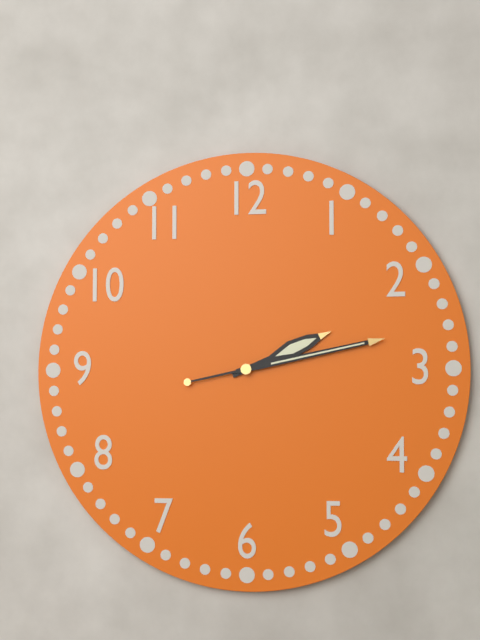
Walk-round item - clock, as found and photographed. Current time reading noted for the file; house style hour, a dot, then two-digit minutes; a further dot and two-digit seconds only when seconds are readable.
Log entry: 2.13
